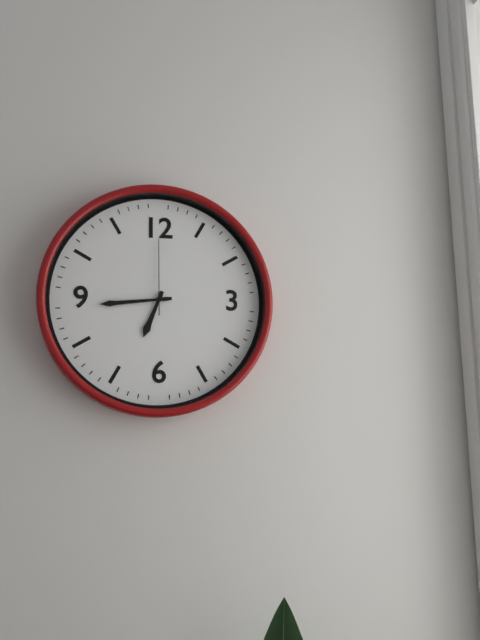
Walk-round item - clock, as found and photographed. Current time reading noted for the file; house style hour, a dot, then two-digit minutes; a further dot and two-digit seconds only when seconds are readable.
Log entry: 6.44.00
